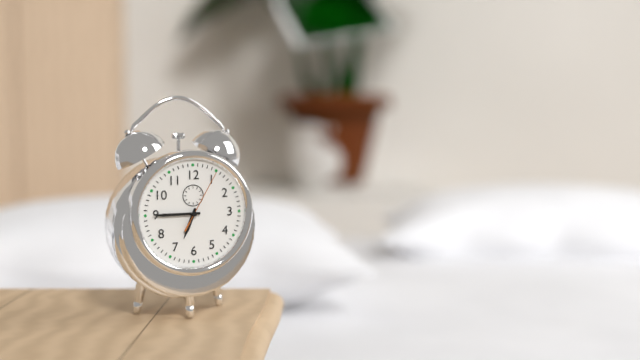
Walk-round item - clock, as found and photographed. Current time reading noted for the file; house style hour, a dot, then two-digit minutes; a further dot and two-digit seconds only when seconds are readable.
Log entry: 6.45.05
